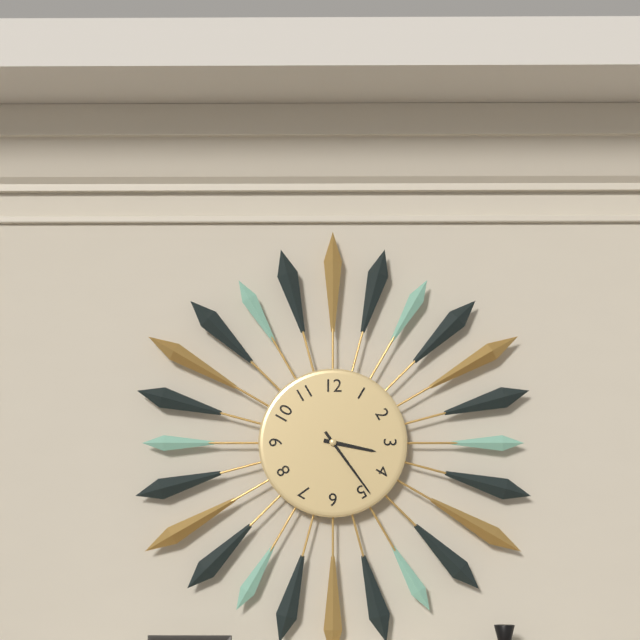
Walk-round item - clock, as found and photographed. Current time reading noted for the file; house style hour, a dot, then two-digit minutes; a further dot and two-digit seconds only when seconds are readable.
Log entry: 3.24
